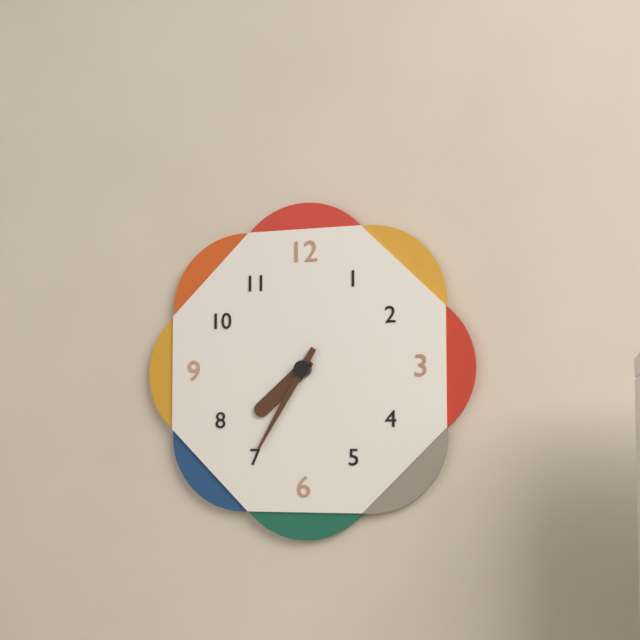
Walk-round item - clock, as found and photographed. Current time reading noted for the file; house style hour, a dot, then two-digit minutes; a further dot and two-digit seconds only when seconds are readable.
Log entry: 7.35
